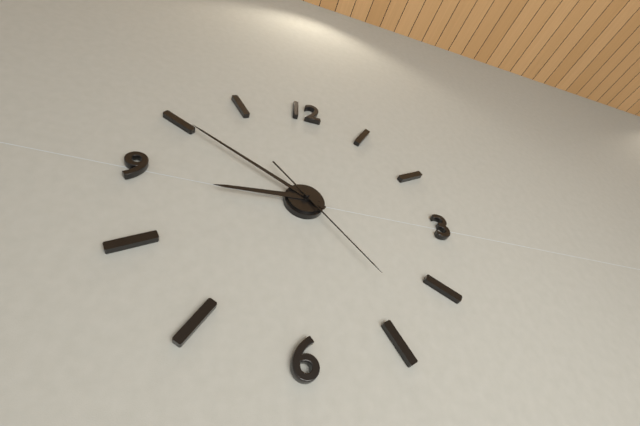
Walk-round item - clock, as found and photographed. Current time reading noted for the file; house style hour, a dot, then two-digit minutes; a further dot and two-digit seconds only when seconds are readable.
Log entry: 8.50.23
